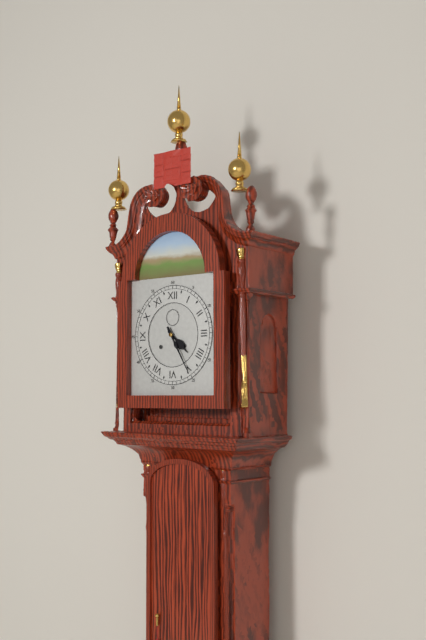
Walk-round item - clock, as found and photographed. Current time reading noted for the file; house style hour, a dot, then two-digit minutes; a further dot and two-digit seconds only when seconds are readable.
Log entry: 4.25
